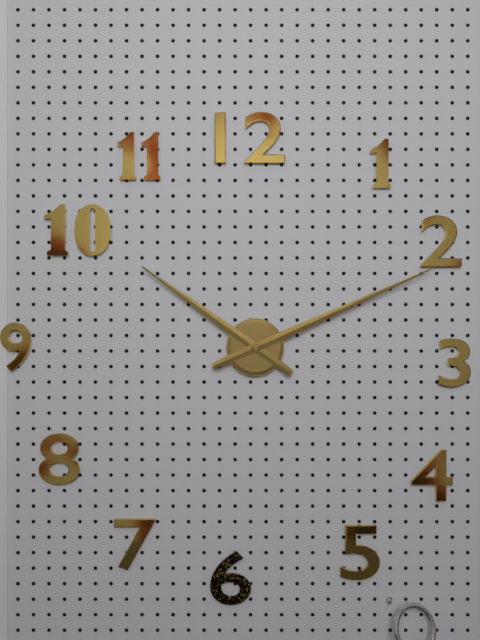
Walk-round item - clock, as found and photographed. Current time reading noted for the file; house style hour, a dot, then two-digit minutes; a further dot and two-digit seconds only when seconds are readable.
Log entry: 10.11
